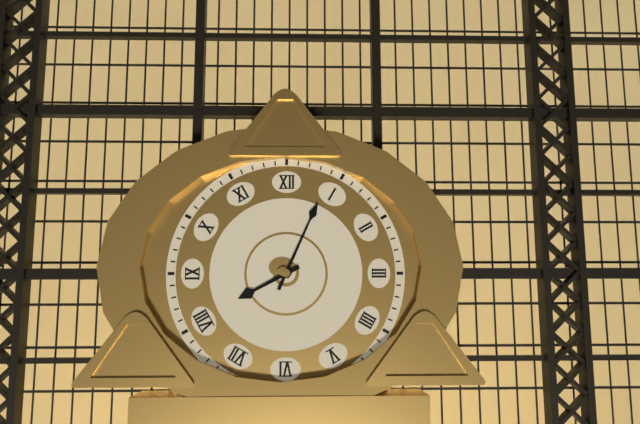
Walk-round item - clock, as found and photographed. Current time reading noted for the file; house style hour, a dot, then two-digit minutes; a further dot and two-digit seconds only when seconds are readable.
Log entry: 8.04
